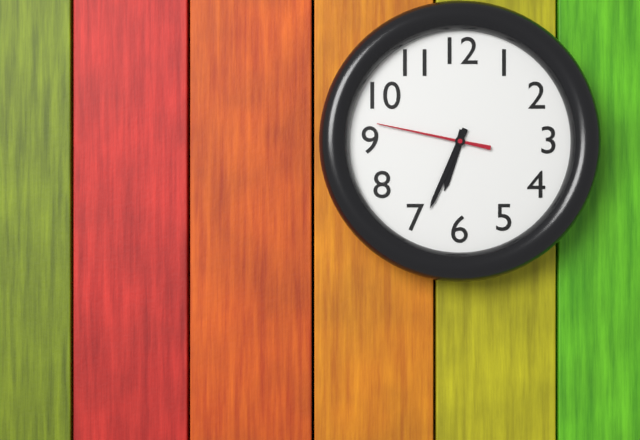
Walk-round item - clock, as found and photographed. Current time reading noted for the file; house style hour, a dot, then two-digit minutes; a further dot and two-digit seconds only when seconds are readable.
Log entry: 6.34.47
